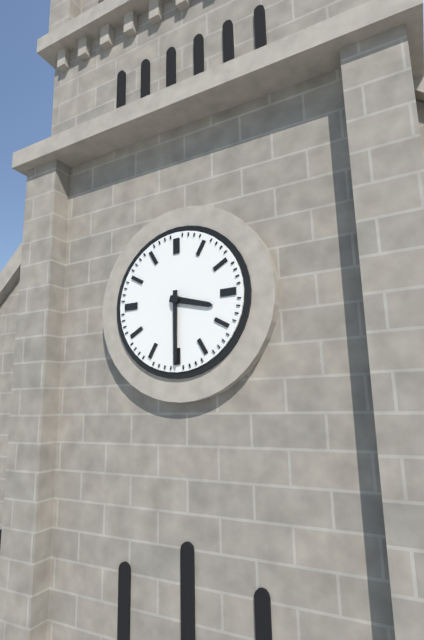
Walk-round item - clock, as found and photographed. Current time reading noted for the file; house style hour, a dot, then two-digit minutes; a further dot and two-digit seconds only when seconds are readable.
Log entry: 3.30
